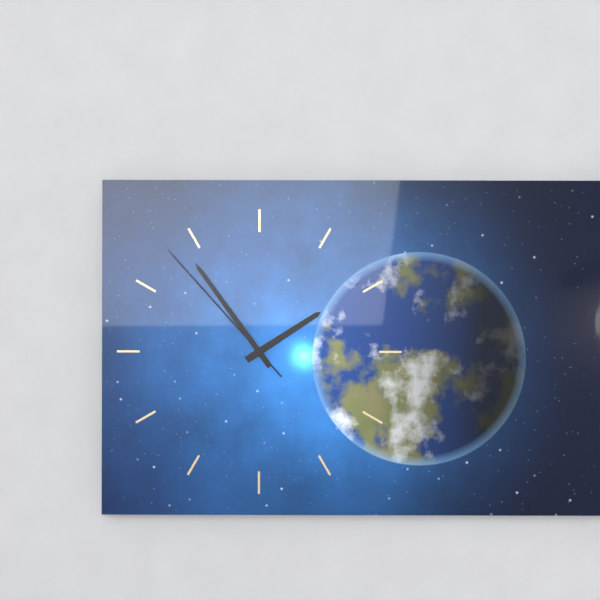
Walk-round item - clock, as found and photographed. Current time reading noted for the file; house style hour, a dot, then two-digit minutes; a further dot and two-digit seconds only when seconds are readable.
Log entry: 1.54.53
